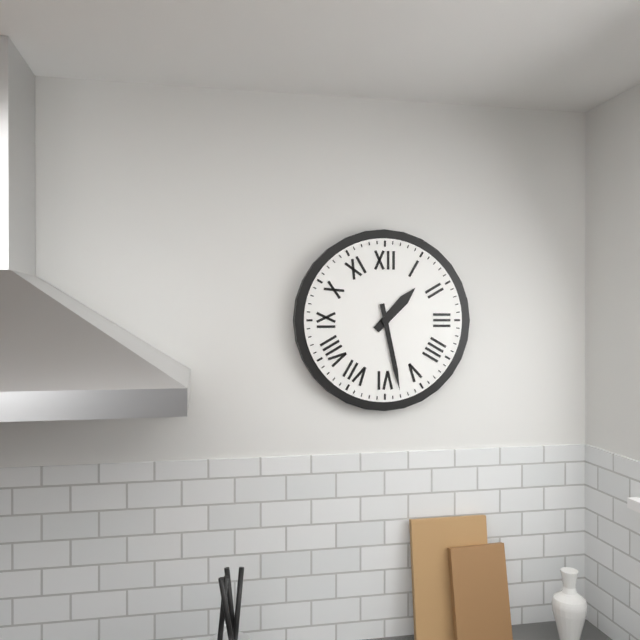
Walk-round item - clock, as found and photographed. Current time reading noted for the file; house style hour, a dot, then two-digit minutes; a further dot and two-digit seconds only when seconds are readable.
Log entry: 1.28
